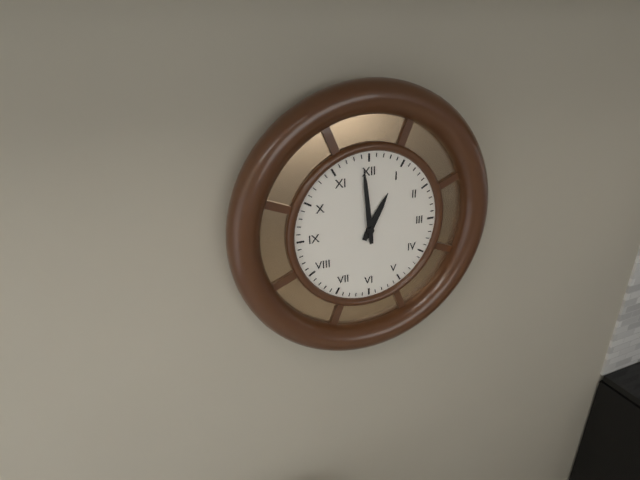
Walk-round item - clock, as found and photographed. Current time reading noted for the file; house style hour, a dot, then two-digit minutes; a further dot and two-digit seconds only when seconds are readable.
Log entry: 12.59
